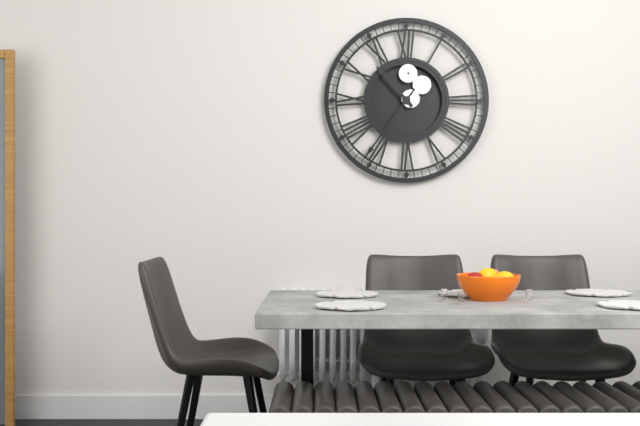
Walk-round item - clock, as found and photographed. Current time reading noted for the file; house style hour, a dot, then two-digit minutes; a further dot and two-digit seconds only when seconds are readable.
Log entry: 10.36
